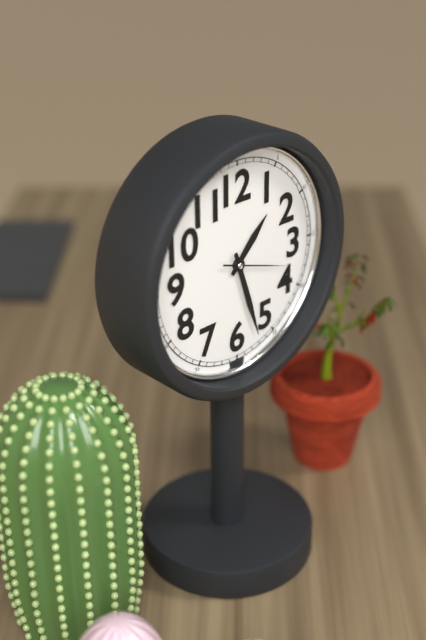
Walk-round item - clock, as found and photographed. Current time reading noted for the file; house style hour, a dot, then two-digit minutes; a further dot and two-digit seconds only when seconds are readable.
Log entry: 1.27.18
